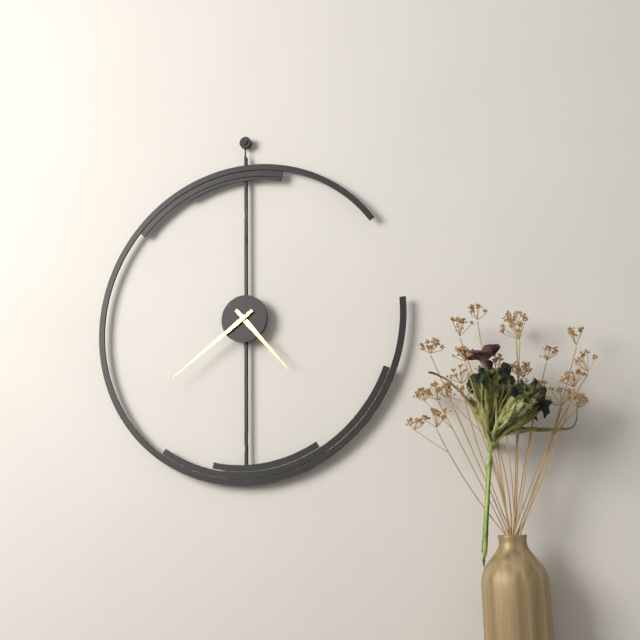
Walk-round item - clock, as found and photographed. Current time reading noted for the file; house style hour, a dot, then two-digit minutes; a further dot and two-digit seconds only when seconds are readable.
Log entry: 4.39
